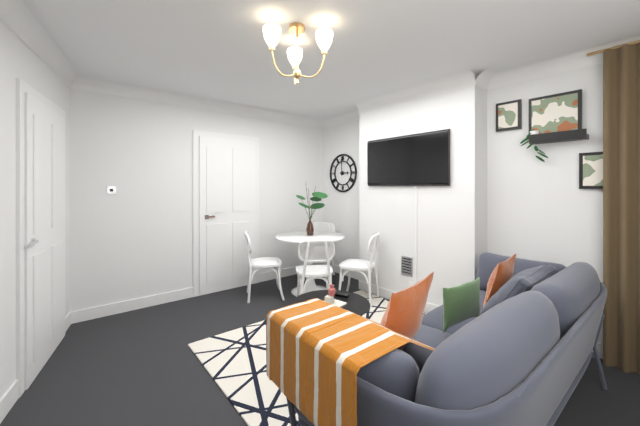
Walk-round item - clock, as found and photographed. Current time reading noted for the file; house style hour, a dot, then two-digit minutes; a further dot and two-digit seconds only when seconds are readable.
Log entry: 3.00
